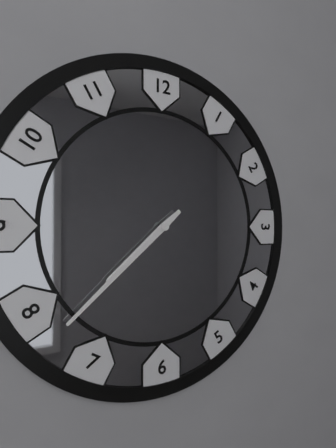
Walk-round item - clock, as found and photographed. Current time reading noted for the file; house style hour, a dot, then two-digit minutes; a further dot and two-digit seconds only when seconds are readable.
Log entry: 7.38
